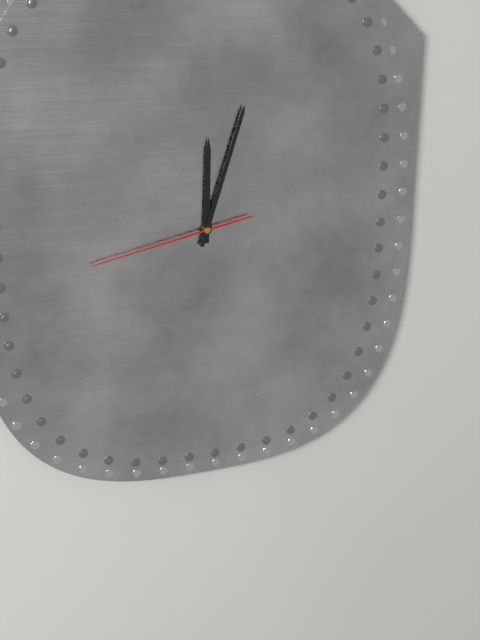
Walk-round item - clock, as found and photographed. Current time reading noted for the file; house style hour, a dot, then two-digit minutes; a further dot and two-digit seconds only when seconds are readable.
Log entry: 12.03.43
